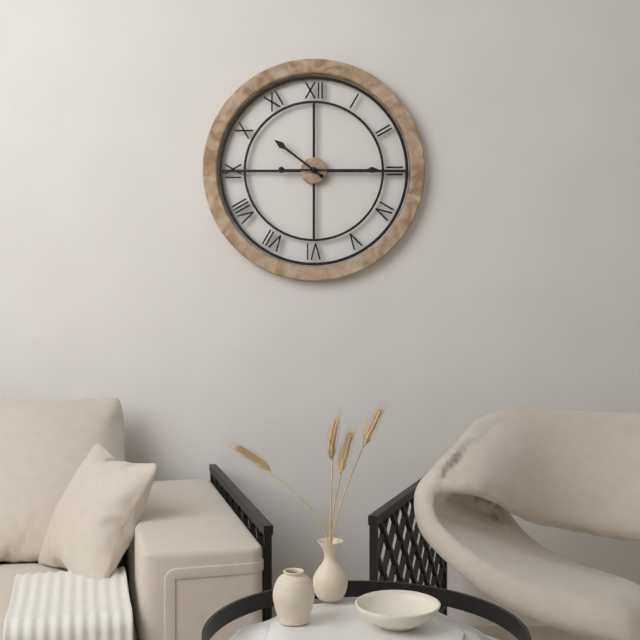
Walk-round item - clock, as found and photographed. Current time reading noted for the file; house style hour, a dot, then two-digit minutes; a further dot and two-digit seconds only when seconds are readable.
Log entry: 10.15
